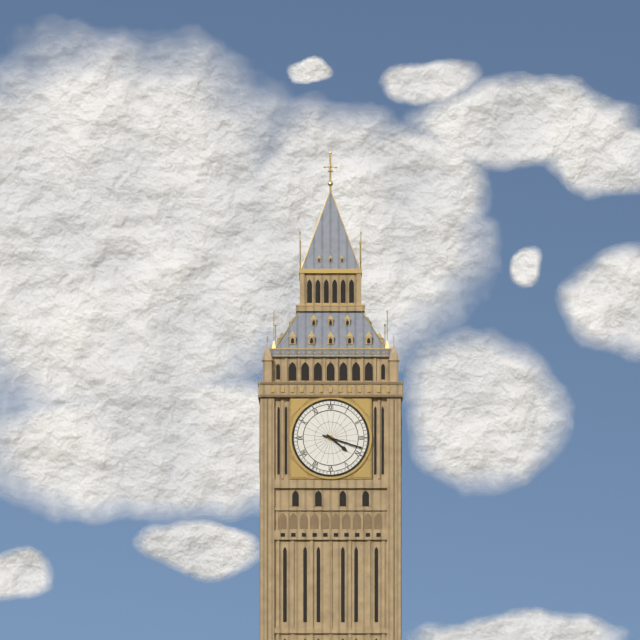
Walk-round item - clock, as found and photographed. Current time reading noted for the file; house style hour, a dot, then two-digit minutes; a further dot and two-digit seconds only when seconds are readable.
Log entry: 4.18
